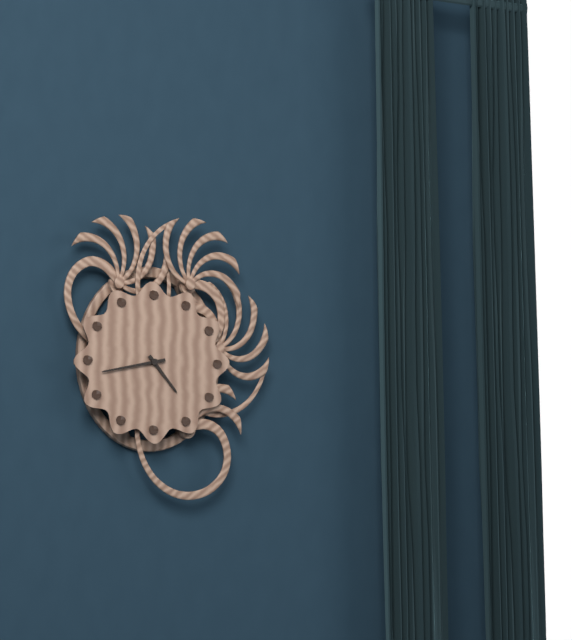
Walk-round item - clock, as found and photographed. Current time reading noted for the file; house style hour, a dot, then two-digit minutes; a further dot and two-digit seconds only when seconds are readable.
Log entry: 4.43
